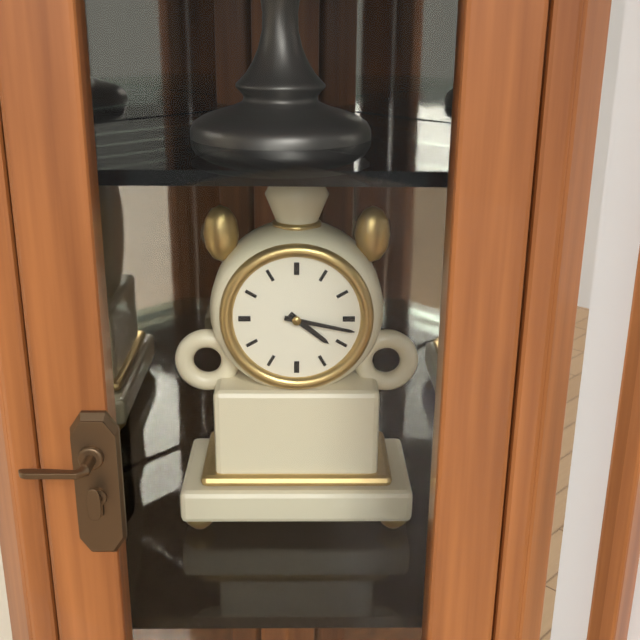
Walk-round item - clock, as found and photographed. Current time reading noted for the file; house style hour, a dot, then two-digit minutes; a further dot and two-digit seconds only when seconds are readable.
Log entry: 4.17
